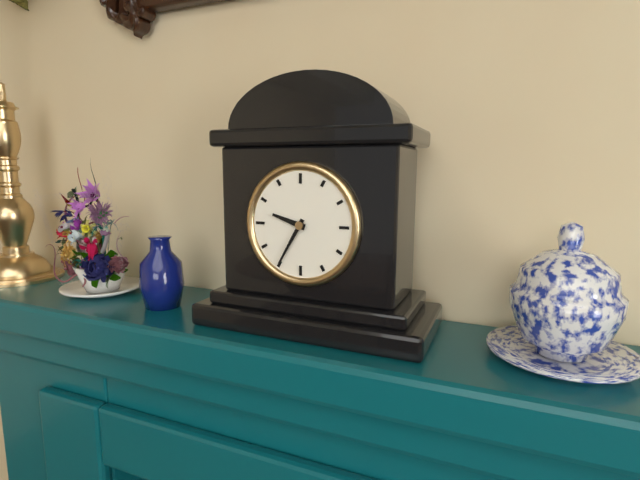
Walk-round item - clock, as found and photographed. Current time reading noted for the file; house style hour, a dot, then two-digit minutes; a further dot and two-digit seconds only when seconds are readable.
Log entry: 9.35
